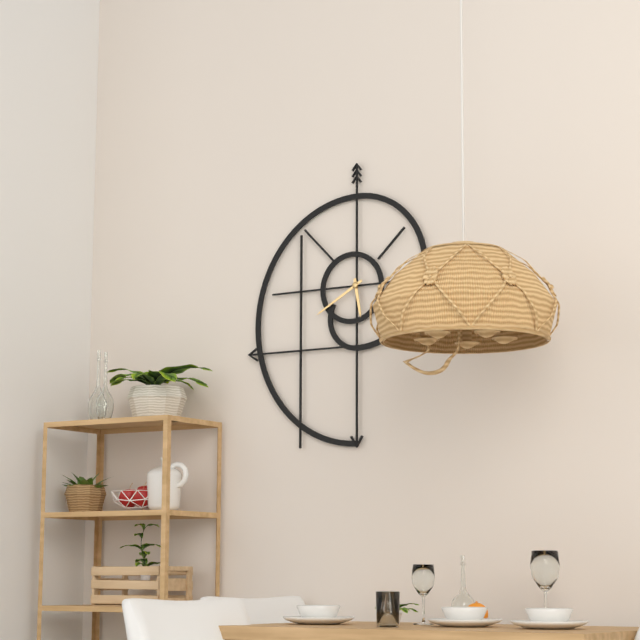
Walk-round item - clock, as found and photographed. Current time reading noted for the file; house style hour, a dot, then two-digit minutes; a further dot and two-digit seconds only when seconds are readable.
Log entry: 5.40
